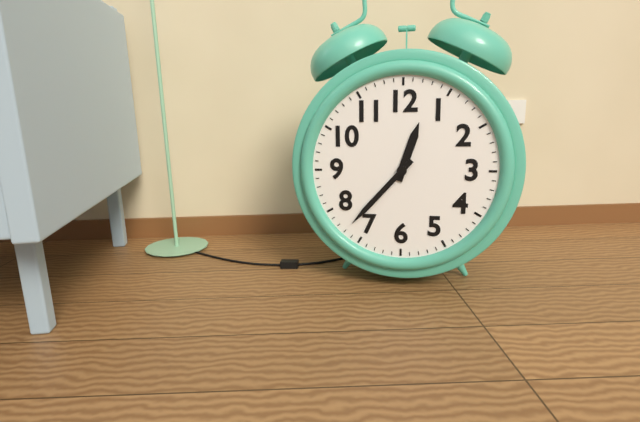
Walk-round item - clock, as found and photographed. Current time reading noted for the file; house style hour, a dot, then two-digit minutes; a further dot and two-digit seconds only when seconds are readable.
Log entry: 12.37
